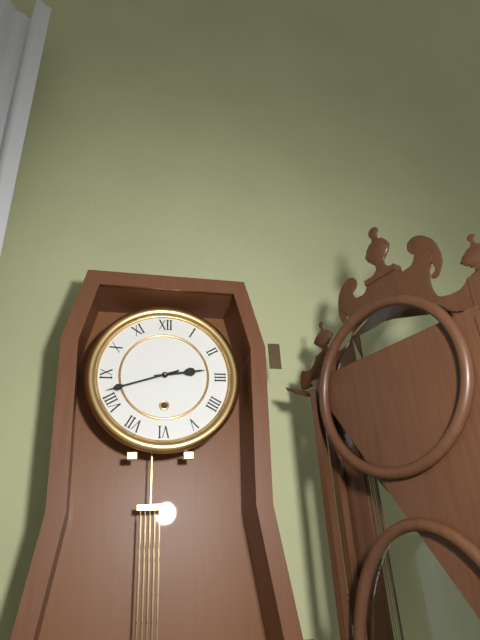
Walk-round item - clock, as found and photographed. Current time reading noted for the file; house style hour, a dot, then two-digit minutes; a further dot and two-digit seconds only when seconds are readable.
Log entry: 2.42
